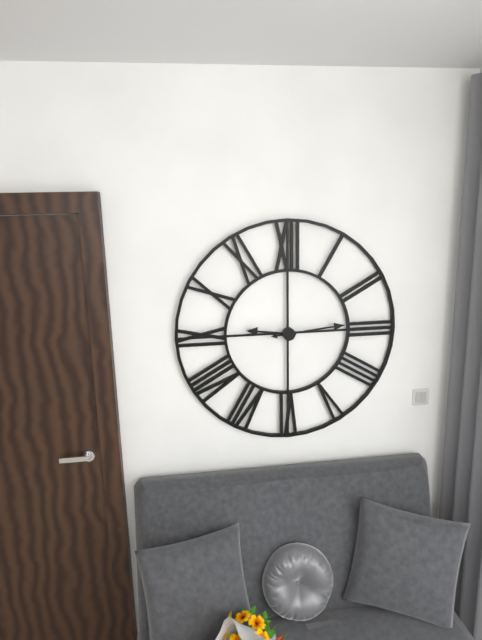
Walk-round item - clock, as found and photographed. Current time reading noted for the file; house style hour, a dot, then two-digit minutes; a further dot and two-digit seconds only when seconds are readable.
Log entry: 9.14
